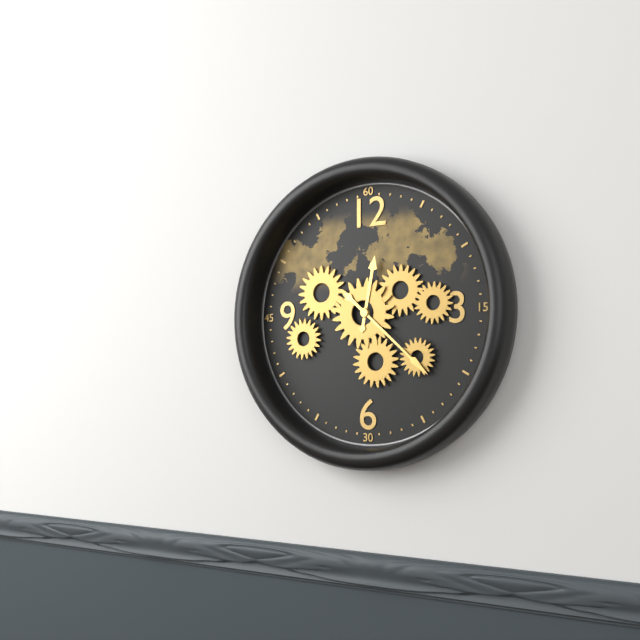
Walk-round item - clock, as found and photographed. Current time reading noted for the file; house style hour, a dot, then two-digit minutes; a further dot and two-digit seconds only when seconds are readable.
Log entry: 12.22
